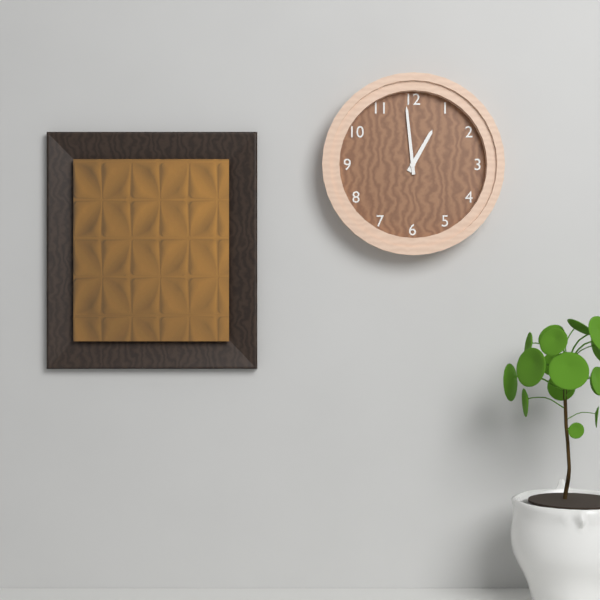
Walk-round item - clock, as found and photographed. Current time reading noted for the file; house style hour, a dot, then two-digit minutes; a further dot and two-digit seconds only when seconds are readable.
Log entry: 12.59
